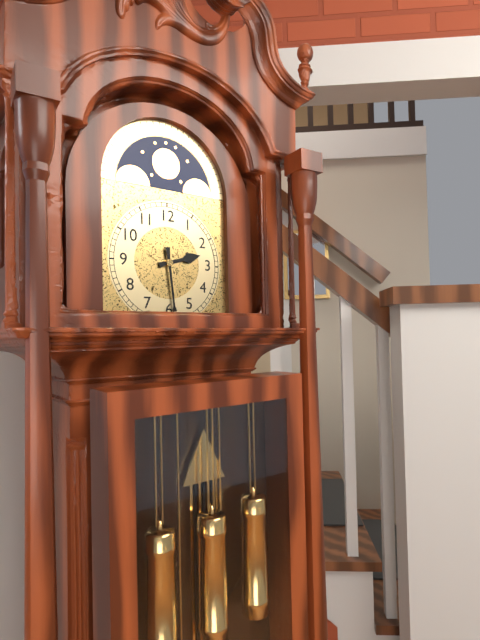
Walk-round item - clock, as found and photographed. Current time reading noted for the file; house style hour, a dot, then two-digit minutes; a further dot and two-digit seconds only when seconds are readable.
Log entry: 2.29
